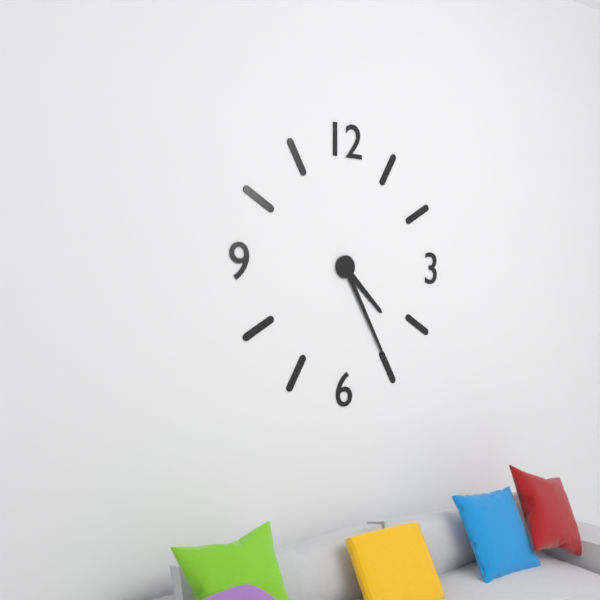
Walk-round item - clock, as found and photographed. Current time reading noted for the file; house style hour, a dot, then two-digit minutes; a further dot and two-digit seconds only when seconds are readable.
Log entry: 4.25
